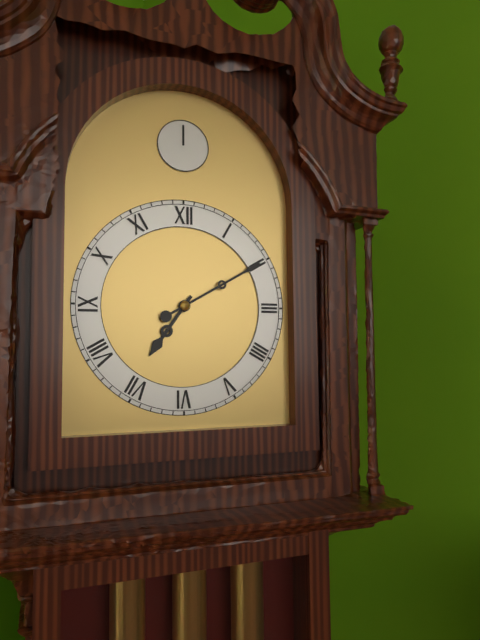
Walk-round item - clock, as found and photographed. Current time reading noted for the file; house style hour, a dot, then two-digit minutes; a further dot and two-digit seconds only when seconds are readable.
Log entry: 7.10
